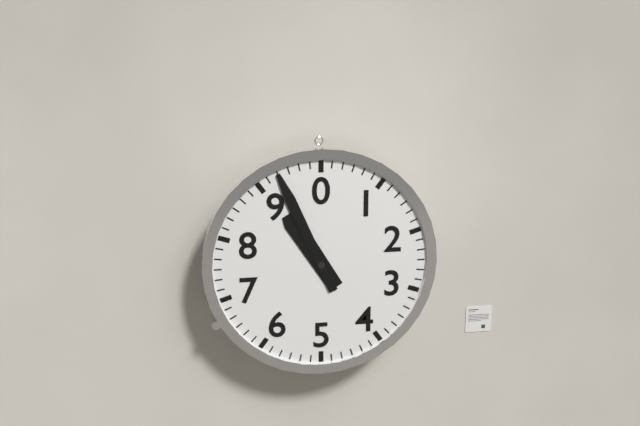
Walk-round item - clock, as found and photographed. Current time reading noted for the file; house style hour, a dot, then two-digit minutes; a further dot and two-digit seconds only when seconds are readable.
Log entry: 10.56
